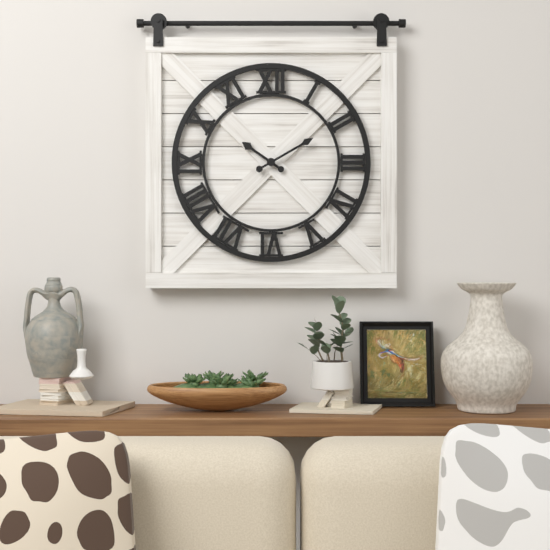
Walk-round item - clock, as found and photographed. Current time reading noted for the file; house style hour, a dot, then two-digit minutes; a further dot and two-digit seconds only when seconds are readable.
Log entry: 10.10
